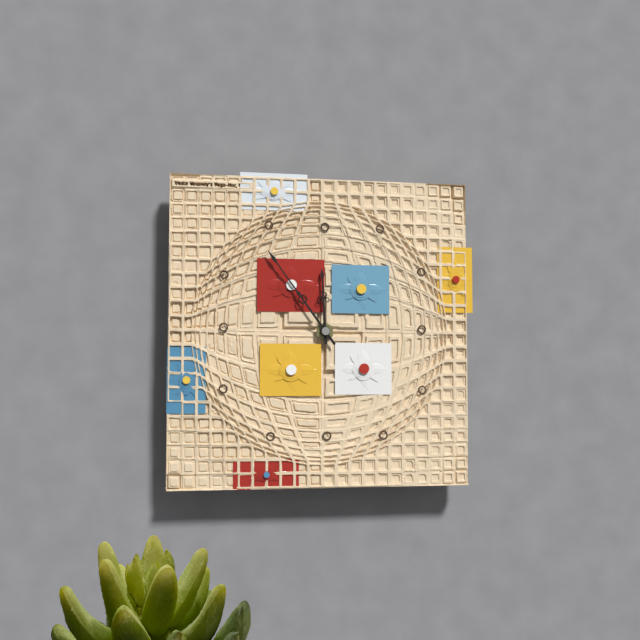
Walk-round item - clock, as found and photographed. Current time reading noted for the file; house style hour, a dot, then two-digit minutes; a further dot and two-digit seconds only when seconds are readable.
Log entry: 11.54
